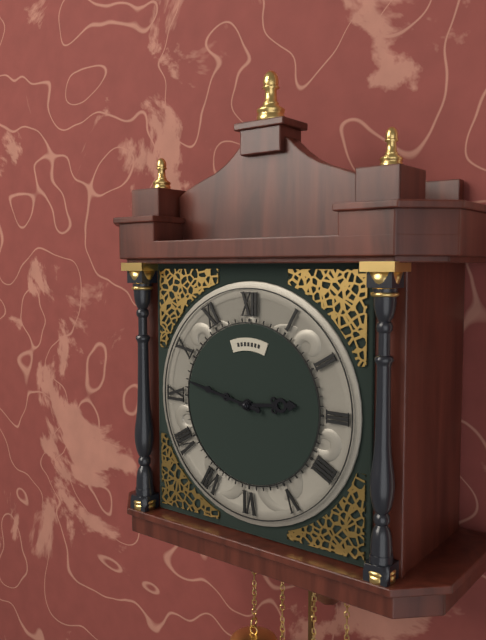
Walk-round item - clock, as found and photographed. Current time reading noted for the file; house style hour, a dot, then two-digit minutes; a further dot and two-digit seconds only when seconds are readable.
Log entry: 2.47
